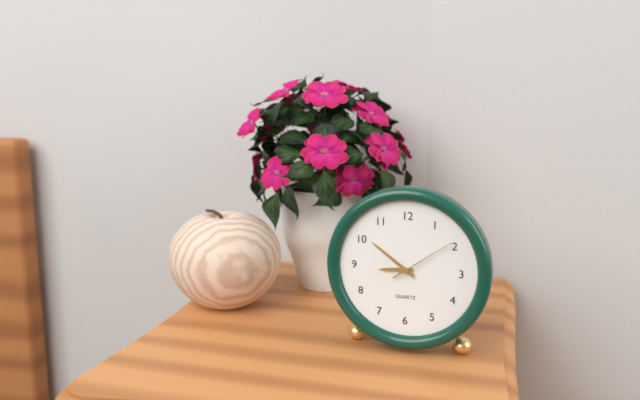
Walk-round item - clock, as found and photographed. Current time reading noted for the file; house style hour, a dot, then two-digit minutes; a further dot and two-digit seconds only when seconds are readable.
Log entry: 8.51.09
